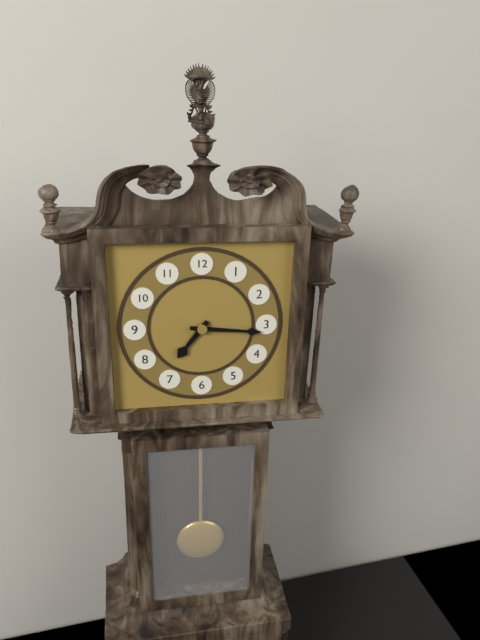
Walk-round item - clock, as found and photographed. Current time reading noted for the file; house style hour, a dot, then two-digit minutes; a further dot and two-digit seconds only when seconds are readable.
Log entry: 7.16
